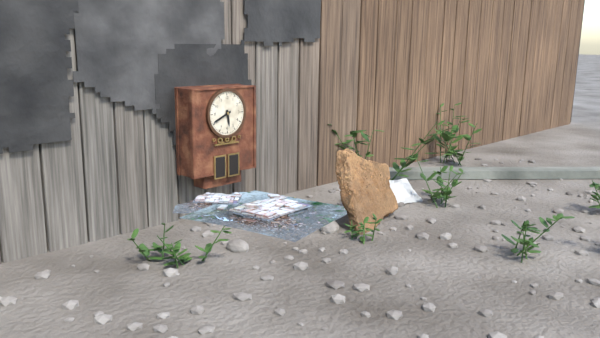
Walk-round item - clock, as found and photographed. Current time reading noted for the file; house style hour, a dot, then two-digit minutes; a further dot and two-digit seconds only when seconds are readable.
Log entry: 5.41
